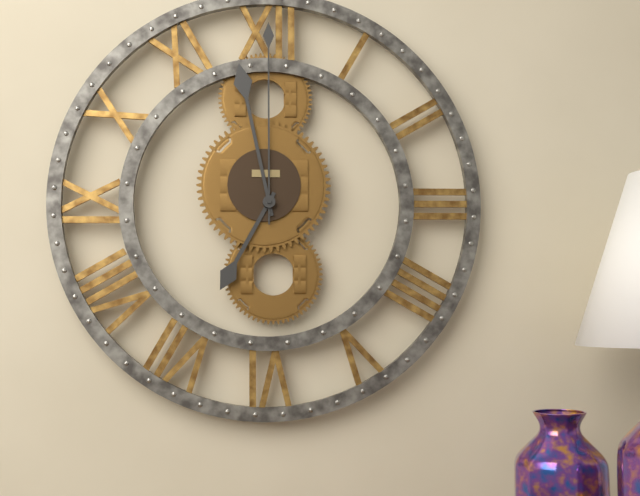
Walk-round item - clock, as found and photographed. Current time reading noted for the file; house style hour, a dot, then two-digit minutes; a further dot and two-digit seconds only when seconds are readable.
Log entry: 6.58.00
